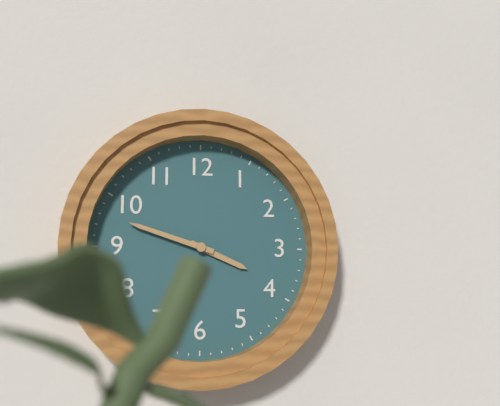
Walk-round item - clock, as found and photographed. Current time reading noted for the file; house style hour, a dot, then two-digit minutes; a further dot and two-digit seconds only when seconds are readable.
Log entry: 3.48
